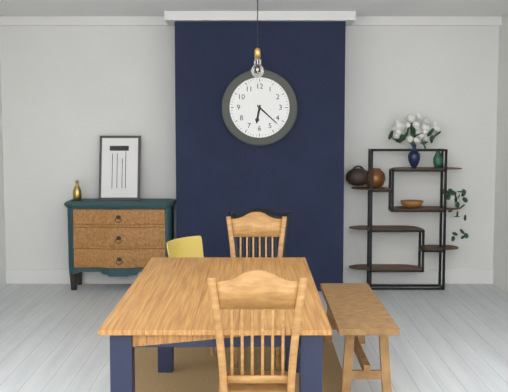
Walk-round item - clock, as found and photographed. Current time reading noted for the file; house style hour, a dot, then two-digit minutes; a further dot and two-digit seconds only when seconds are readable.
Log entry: 6.22
